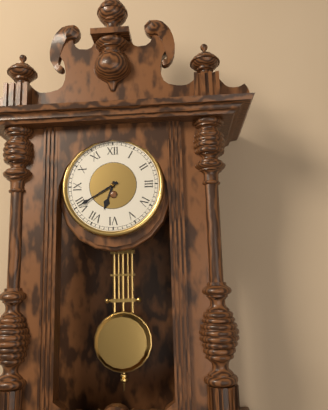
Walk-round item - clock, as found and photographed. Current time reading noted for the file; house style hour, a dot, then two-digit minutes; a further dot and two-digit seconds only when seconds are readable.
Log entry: 6.40
